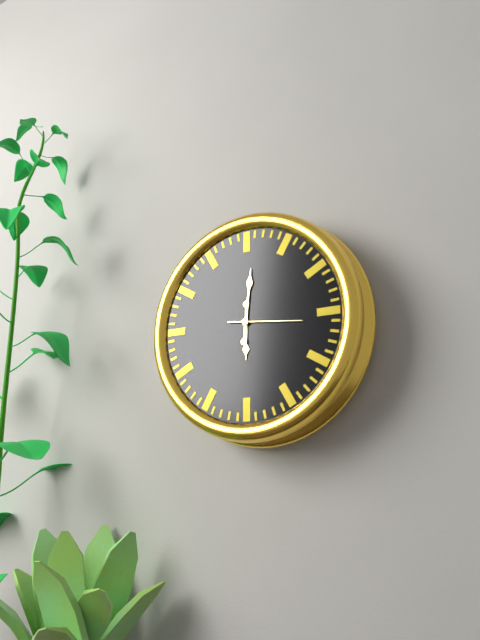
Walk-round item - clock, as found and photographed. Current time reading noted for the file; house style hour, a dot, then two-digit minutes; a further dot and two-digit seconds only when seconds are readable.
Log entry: 6.01.16
